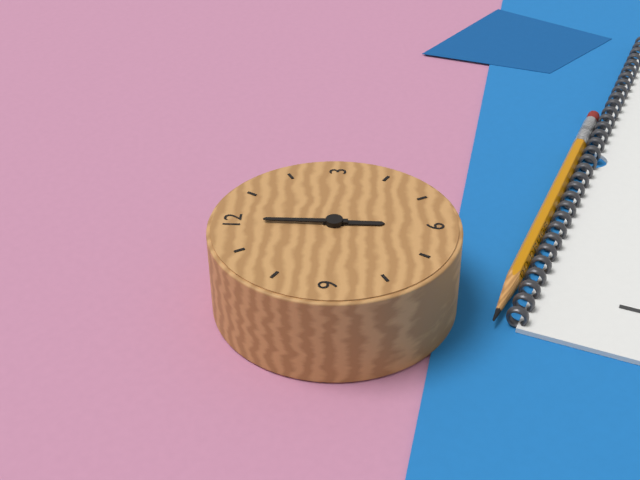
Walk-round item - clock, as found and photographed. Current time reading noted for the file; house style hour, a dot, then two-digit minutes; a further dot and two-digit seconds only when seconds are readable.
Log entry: 6.00
